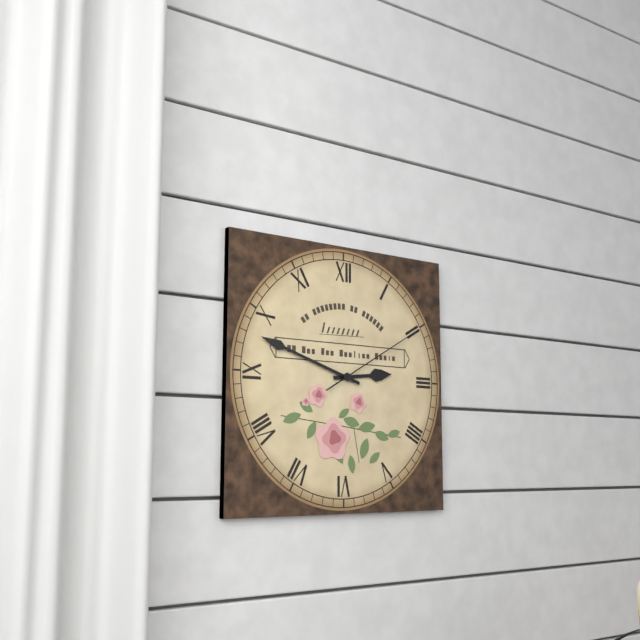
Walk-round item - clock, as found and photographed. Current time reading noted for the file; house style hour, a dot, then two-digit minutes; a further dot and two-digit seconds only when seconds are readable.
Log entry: 2.48.10
